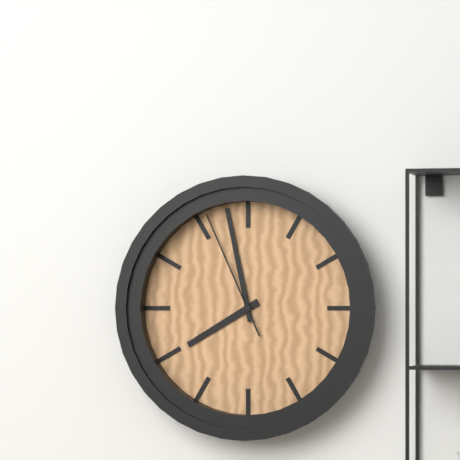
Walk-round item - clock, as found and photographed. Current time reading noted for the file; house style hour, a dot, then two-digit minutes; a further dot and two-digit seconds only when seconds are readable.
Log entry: 7.58.56
